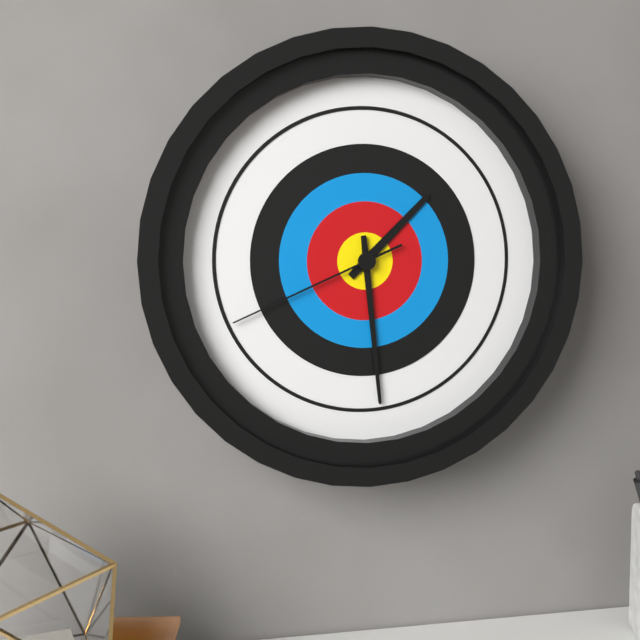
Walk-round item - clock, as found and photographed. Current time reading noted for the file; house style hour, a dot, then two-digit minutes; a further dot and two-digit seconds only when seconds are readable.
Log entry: 1.29.41
